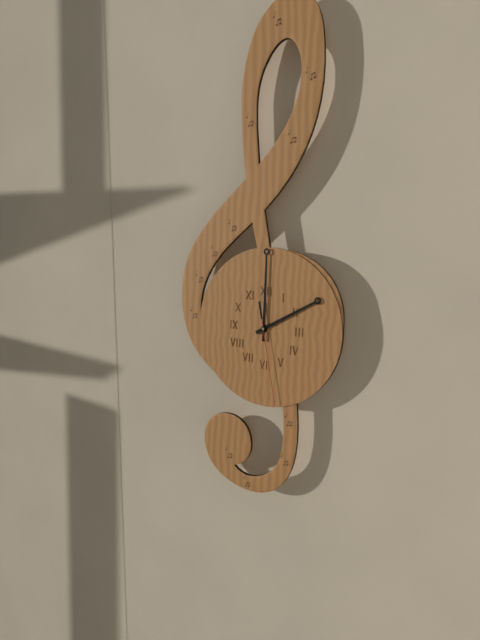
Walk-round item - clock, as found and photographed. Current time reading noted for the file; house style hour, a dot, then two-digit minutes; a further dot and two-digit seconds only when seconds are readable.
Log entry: 2.00.28
